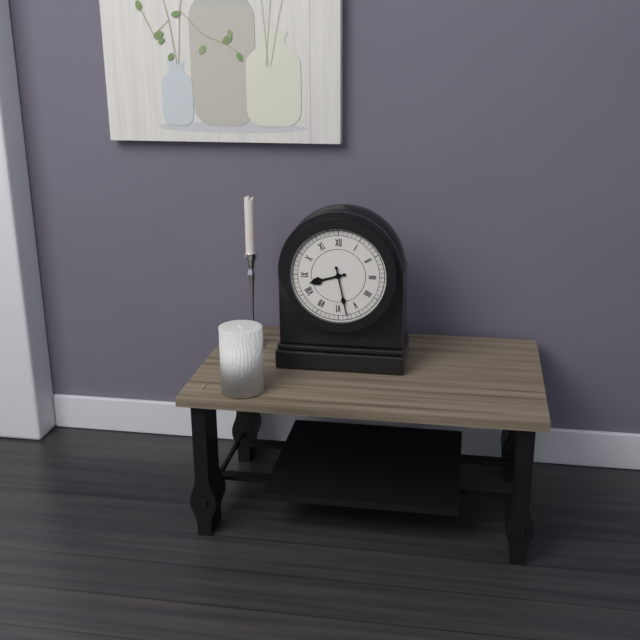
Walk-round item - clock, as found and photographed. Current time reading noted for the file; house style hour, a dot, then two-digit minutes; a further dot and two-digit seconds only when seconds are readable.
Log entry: 8.28
